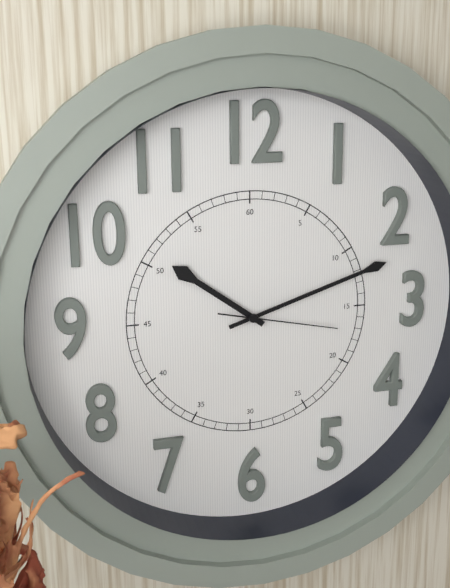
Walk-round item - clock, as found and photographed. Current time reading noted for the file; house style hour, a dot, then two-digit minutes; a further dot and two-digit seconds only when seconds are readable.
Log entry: 10.12.17
